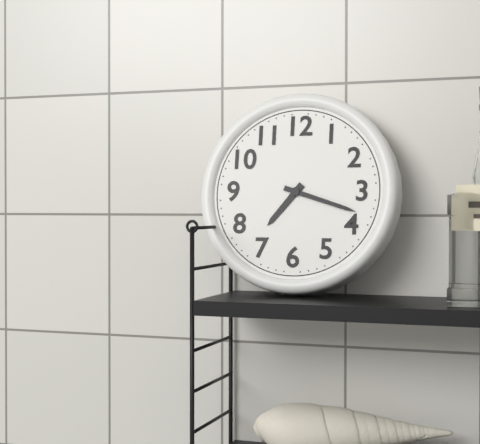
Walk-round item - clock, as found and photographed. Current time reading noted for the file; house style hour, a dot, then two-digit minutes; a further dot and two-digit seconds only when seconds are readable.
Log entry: 7.18
